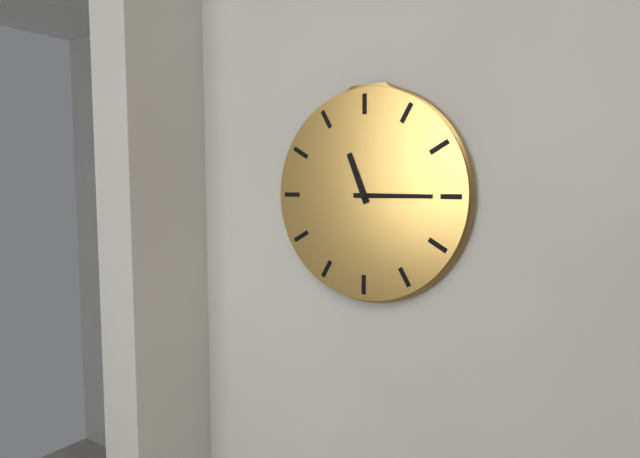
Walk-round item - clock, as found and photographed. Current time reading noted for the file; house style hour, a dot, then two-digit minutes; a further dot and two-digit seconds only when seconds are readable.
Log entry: 11.15
